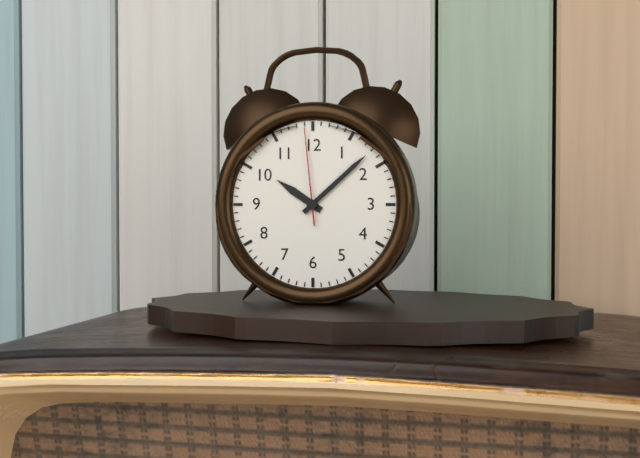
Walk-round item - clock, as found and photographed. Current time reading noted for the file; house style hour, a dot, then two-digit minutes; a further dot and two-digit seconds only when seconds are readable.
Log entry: 10.08.59
